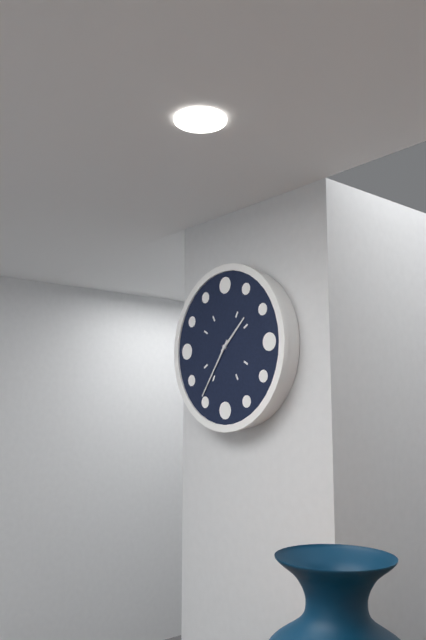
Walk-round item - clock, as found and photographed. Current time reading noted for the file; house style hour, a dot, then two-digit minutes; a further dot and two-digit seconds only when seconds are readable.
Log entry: 1.36
